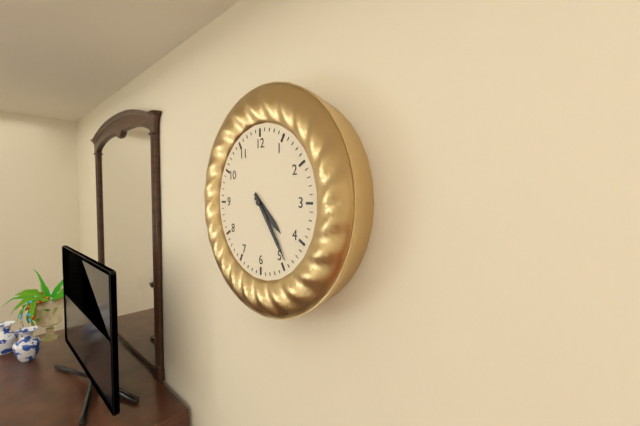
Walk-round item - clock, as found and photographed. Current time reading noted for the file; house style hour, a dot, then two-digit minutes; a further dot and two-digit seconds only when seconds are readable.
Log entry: 4.24
